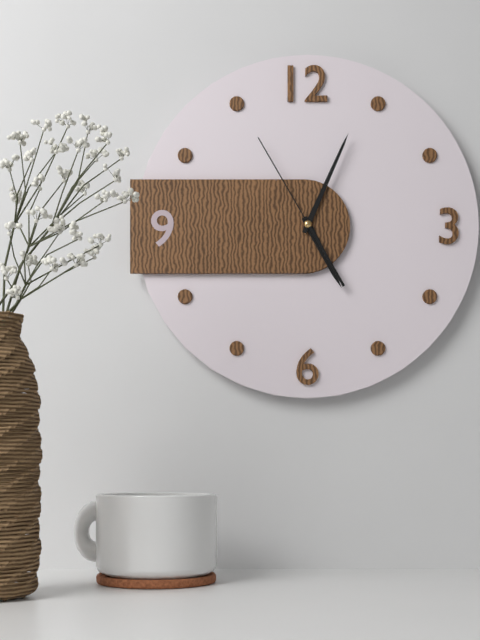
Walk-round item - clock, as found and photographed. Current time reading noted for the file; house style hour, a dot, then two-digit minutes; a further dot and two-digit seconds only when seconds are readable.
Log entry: 5.04.55
